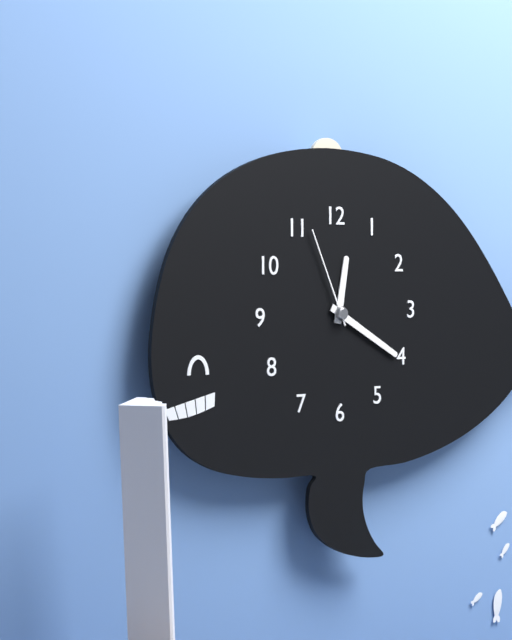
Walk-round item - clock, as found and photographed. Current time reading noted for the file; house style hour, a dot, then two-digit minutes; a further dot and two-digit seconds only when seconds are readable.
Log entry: 12.20.56
